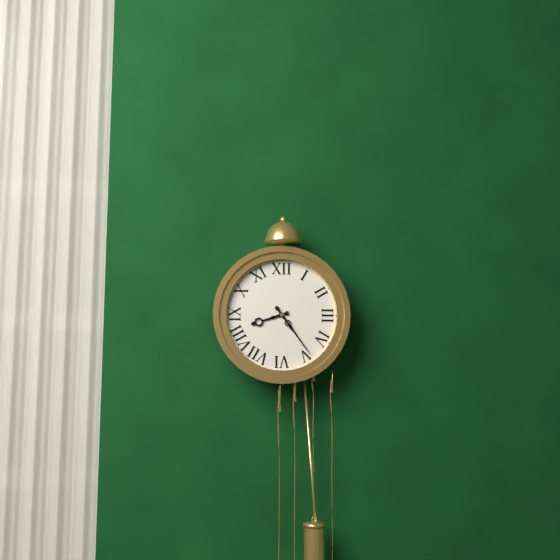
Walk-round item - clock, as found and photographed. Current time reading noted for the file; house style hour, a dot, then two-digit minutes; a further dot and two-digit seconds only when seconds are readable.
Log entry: 8.24
